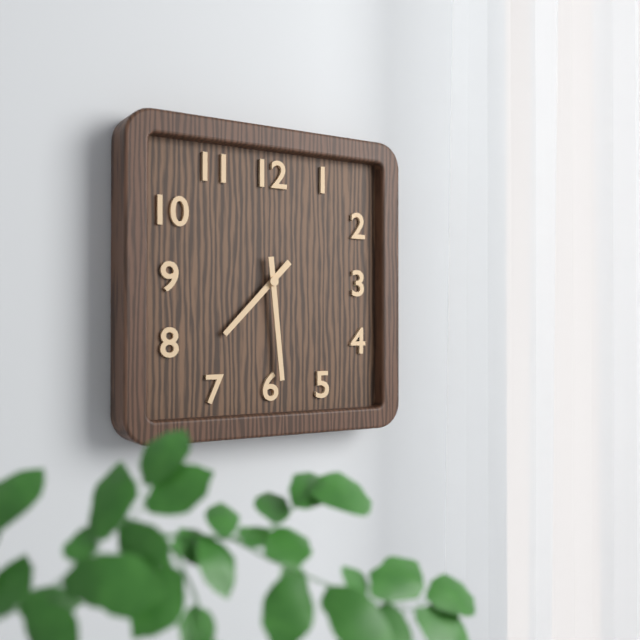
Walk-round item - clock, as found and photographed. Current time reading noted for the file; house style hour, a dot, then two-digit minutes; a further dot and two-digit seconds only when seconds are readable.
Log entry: 7.29
